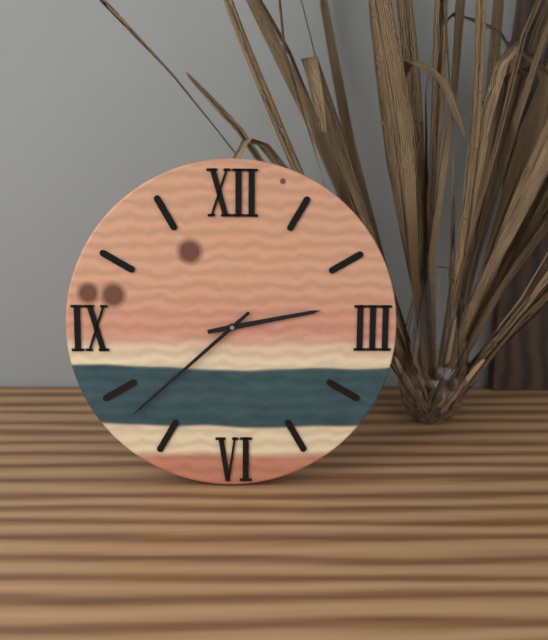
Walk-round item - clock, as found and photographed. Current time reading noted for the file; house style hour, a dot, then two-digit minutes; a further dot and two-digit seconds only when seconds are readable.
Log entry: 2.38
